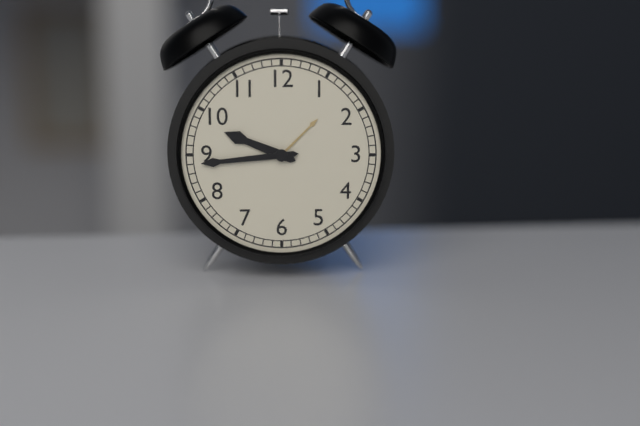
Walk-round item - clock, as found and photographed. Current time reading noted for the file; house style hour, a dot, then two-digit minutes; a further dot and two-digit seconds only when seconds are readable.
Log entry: 9.44
